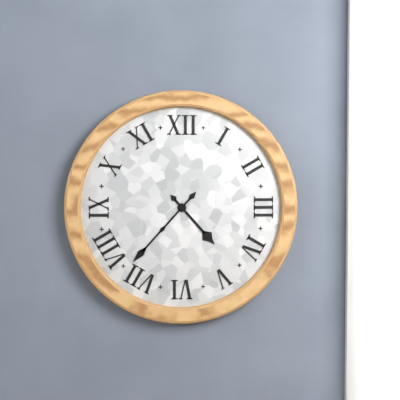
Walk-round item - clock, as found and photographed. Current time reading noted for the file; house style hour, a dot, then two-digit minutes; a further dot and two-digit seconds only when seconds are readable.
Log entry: 4.37
